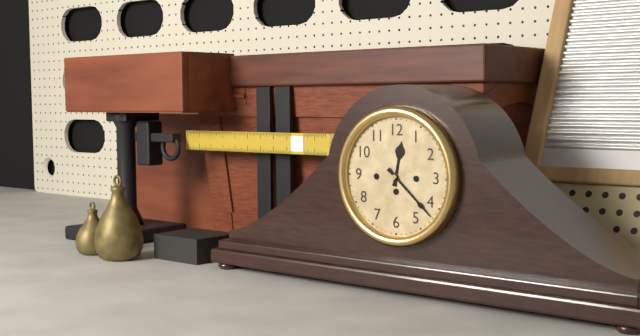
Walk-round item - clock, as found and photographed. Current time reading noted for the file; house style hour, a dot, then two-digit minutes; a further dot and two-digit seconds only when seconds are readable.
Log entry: 12.22
